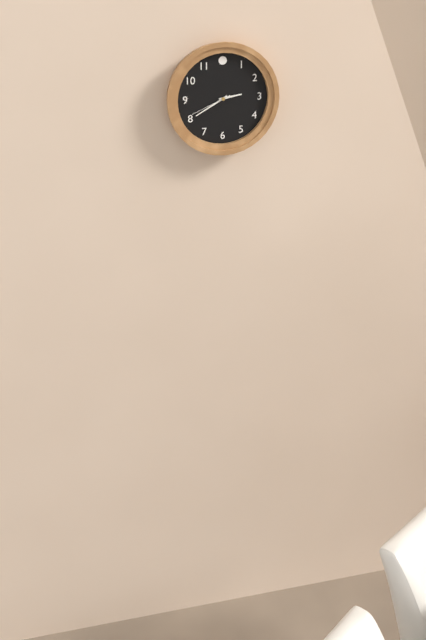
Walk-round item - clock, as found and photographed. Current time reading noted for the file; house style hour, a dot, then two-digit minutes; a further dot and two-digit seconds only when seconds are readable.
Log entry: 2.40
